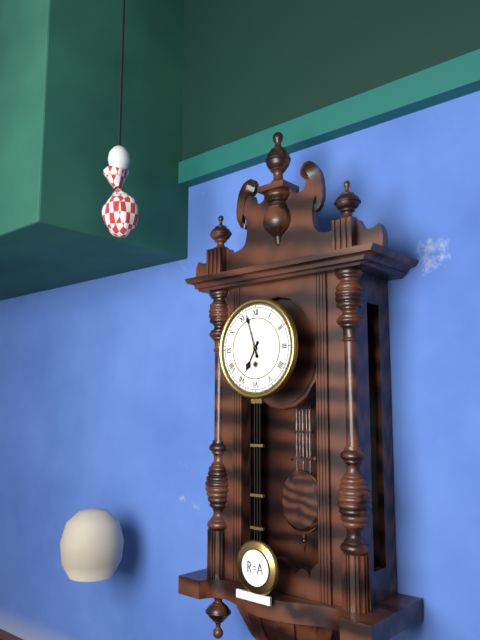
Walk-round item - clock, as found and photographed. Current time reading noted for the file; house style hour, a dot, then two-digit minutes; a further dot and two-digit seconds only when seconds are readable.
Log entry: 6.57
